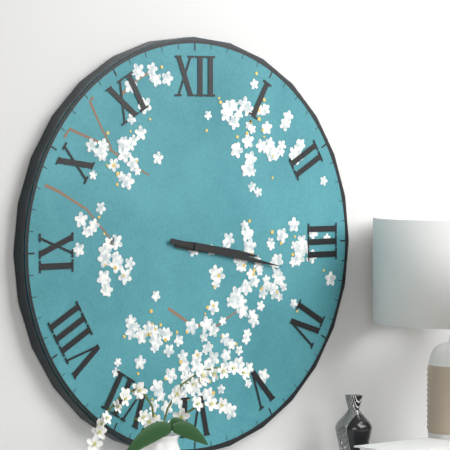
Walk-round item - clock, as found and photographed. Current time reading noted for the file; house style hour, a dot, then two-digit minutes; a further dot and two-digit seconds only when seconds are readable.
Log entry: 3.17
